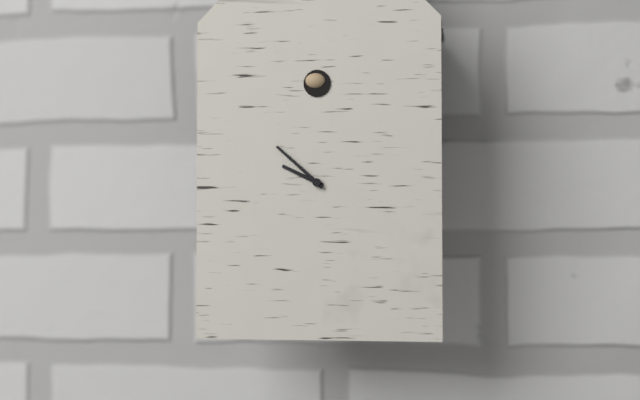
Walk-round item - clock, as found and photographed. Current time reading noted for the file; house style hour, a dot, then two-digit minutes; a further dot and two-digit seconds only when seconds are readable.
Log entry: 9.52
